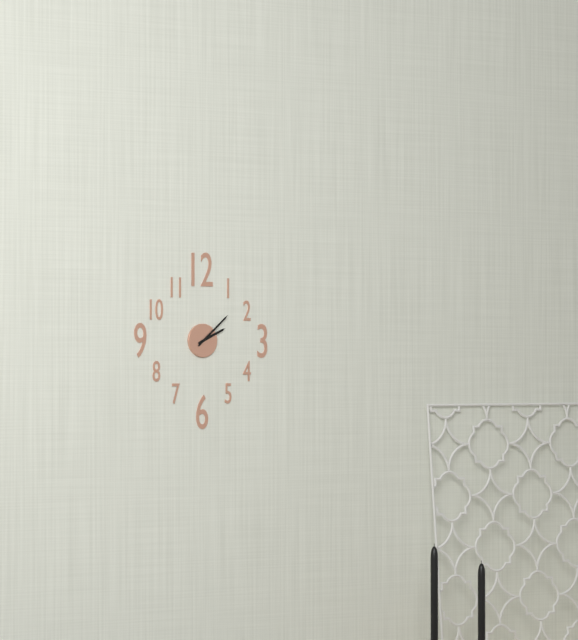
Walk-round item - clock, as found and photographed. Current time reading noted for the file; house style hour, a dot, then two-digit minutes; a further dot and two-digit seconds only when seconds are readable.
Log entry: 2.08
